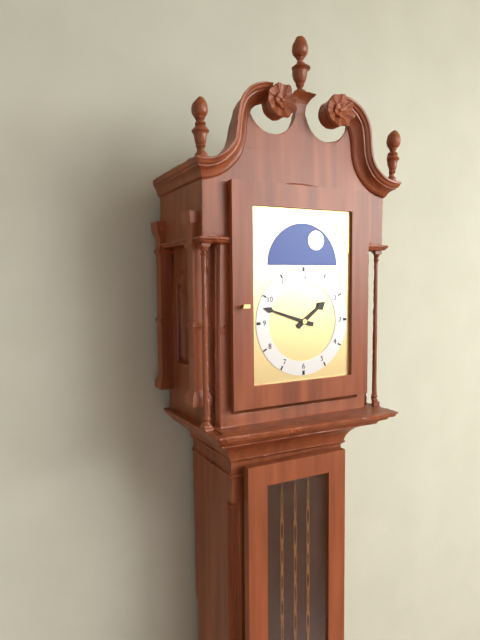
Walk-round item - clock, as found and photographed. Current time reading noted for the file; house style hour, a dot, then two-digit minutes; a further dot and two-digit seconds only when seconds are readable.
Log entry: 1.48
